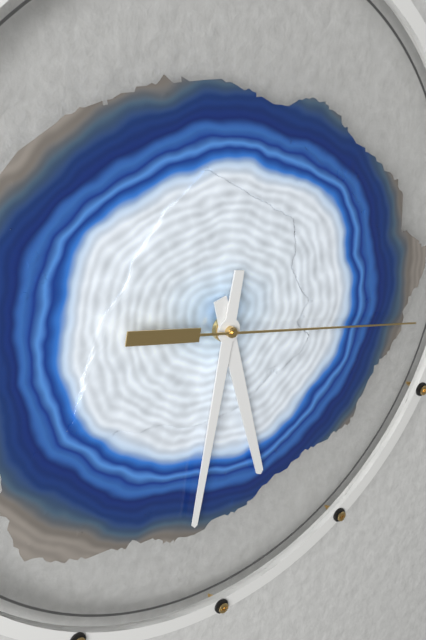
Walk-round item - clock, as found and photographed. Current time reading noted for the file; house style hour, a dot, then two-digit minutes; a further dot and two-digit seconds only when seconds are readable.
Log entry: 5.32.17
